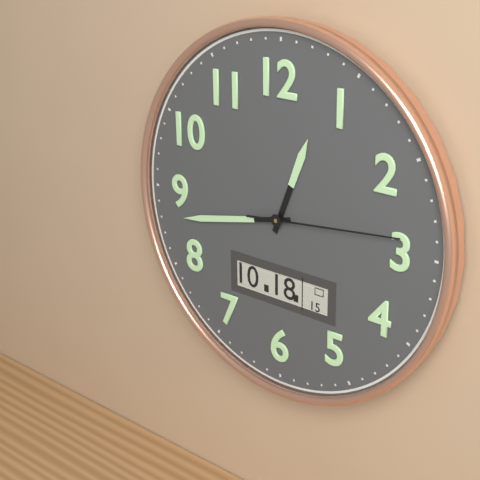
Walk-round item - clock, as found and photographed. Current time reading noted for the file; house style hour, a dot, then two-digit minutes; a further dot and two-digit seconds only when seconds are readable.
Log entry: 12.43.14
